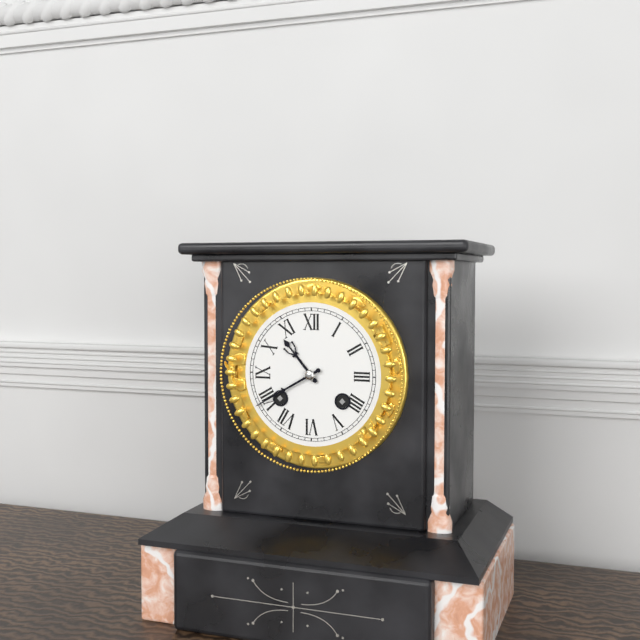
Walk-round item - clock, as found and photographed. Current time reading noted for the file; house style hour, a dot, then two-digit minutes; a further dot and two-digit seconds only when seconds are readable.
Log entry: 10.40
